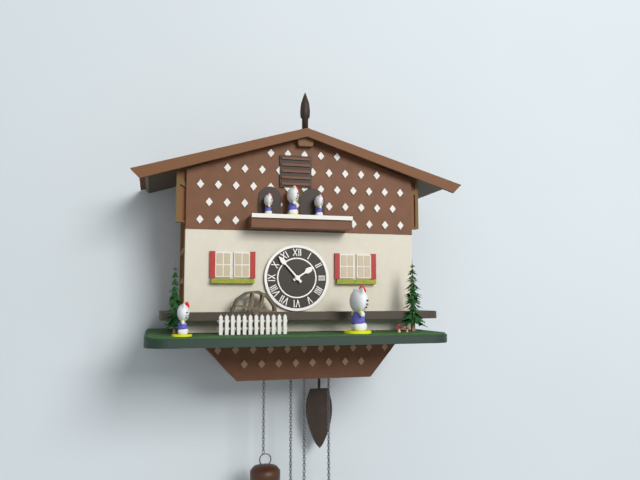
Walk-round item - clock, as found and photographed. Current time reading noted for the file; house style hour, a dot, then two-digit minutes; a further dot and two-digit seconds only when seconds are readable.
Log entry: 1.53
